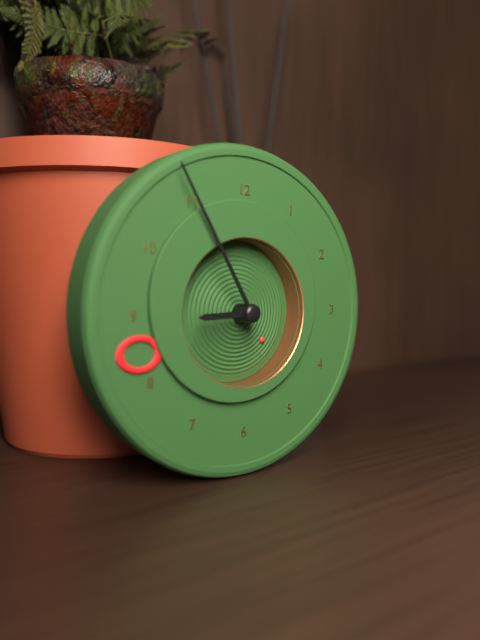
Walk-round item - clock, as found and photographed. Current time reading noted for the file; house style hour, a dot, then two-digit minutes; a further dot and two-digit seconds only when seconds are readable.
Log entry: 8.55.22
